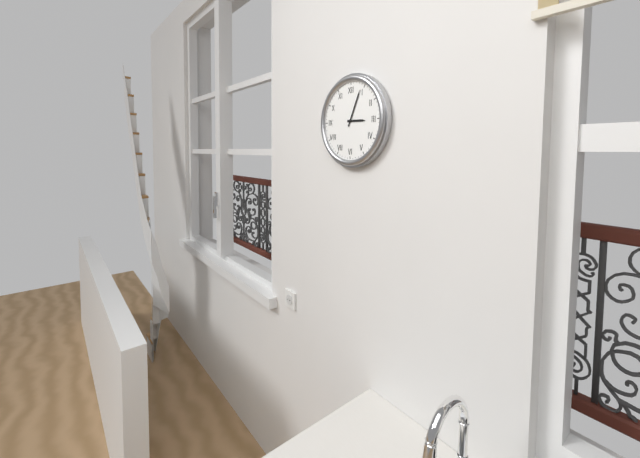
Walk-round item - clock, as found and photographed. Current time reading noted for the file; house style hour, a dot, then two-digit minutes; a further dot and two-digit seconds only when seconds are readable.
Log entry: 3.04
